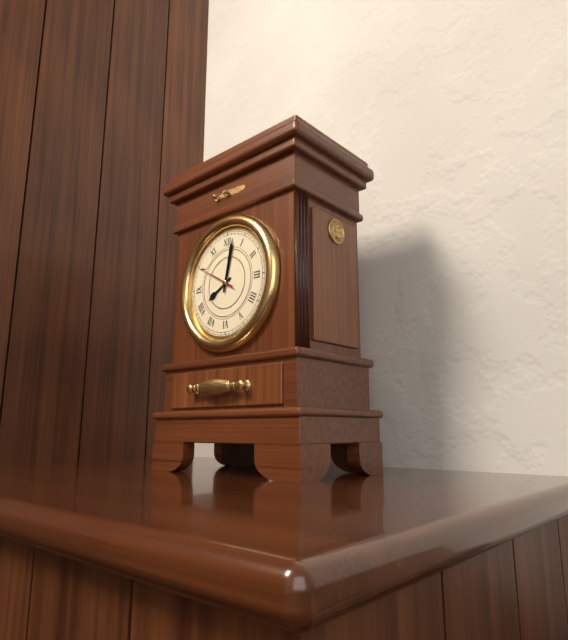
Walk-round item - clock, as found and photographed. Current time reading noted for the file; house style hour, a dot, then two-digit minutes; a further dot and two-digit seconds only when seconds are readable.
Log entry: 8.02
